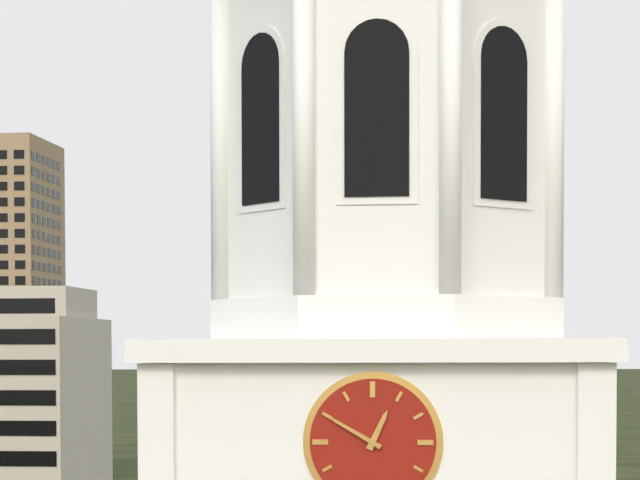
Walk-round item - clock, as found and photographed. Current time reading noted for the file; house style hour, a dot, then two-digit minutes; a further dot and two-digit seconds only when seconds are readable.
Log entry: 12.50
